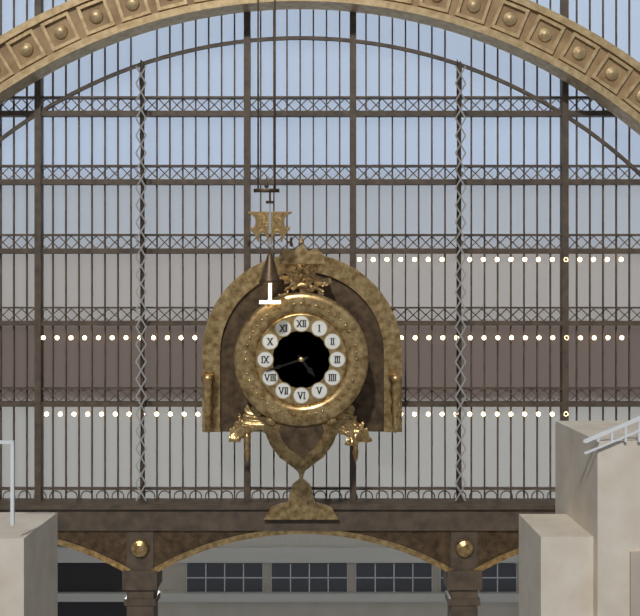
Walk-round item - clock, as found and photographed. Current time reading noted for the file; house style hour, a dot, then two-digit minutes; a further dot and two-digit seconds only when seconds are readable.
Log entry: 4.42
